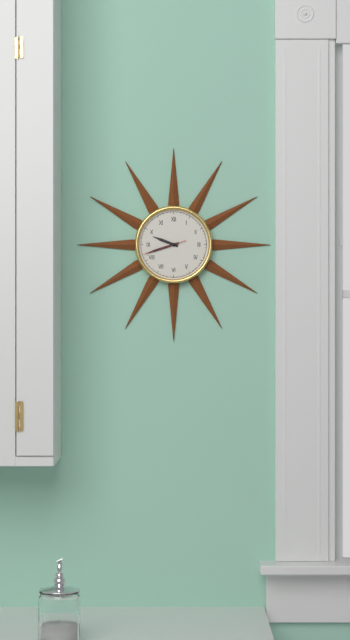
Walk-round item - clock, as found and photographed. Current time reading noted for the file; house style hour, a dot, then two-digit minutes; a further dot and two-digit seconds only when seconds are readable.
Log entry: 9.42
